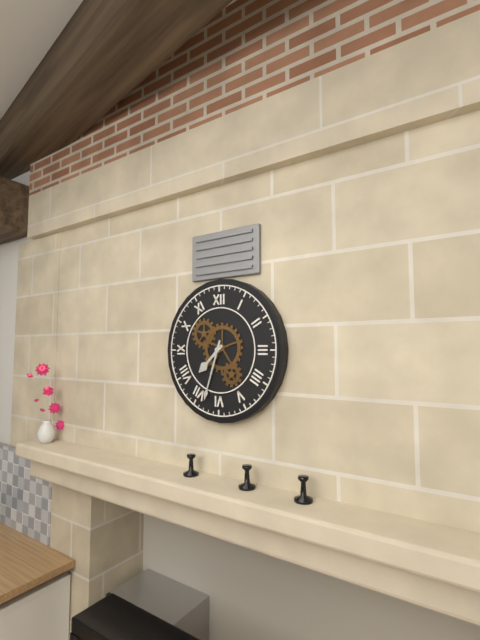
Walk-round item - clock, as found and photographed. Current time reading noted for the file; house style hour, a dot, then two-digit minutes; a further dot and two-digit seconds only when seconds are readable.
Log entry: 7.33
